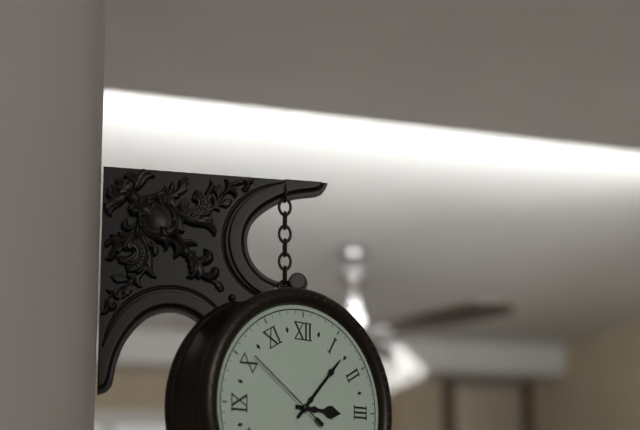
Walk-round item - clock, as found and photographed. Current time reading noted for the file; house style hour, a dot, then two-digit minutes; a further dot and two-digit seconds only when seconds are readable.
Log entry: 3.07.51
